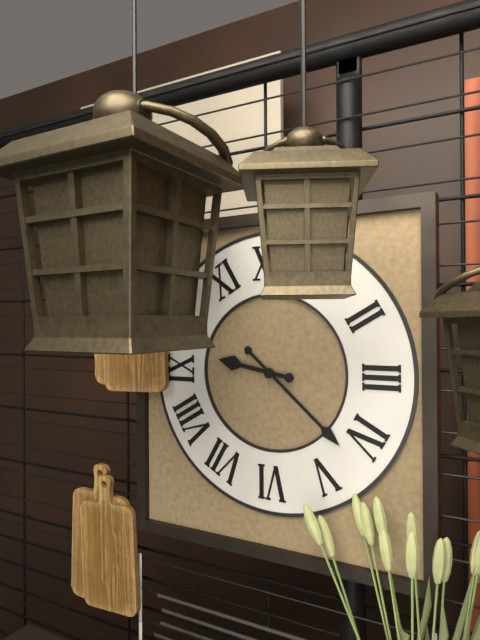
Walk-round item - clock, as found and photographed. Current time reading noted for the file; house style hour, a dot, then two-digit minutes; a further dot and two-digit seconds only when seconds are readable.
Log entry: 9.22
